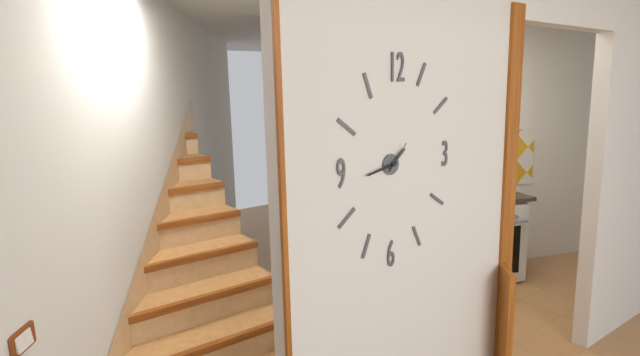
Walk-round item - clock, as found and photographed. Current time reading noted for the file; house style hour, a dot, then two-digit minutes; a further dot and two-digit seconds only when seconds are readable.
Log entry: 1.43
